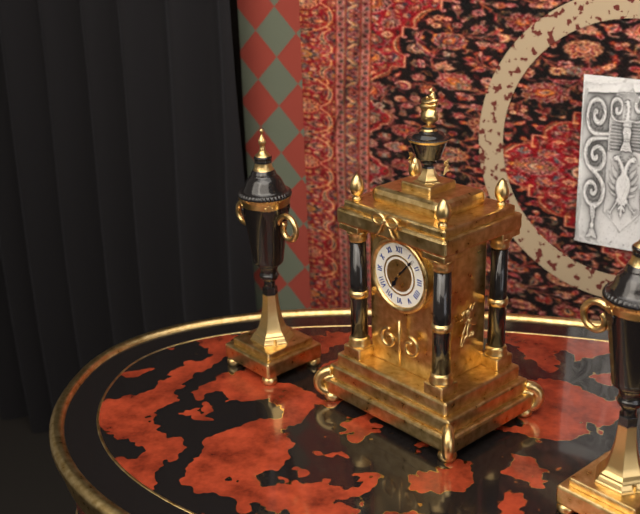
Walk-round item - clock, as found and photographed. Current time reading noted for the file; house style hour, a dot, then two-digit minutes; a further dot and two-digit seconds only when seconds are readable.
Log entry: 7.07
